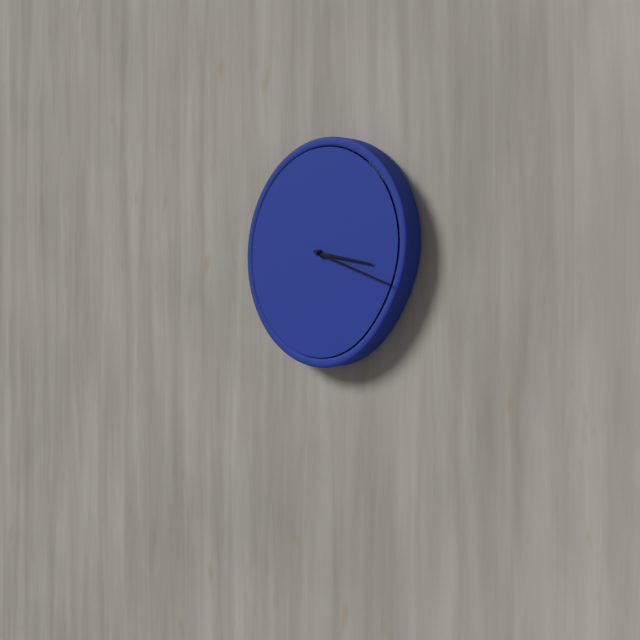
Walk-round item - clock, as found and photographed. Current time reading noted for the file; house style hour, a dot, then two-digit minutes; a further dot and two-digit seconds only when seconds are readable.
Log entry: 3.18
